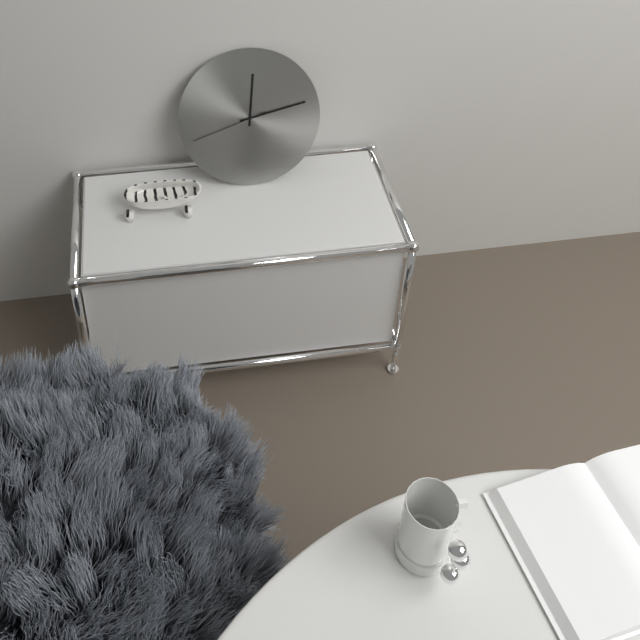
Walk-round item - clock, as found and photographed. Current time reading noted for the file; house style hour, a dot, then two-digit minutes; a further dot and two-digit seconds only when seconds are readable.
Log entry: 12.13.42
